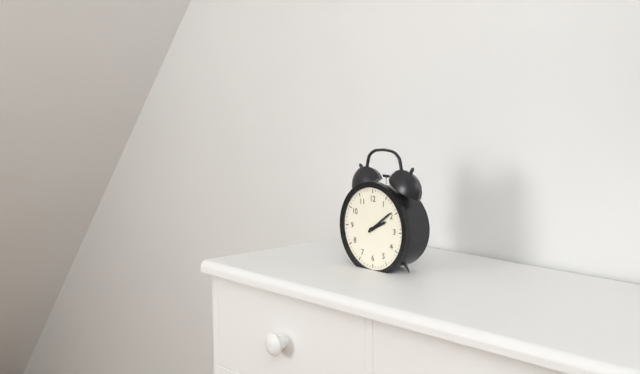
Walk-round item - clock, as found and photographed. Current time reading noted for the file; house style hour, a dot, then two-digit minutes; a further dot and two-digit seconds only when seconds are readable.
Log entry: 2.09
